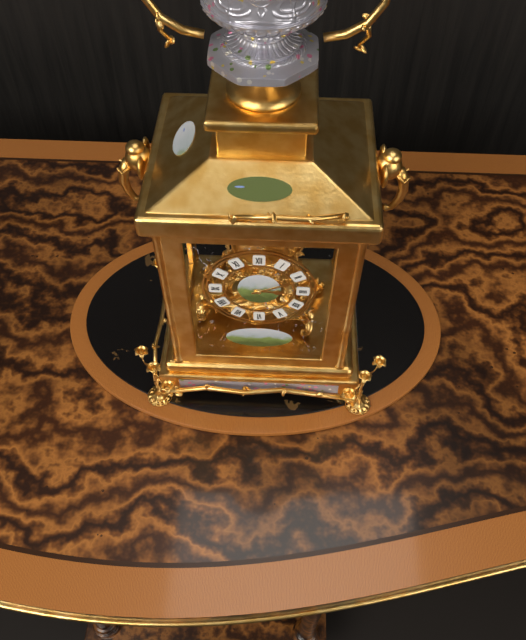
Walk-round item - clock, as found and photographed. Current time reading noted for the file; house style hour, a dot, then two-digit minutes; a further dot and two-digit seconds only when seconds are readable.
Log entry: 3.11
